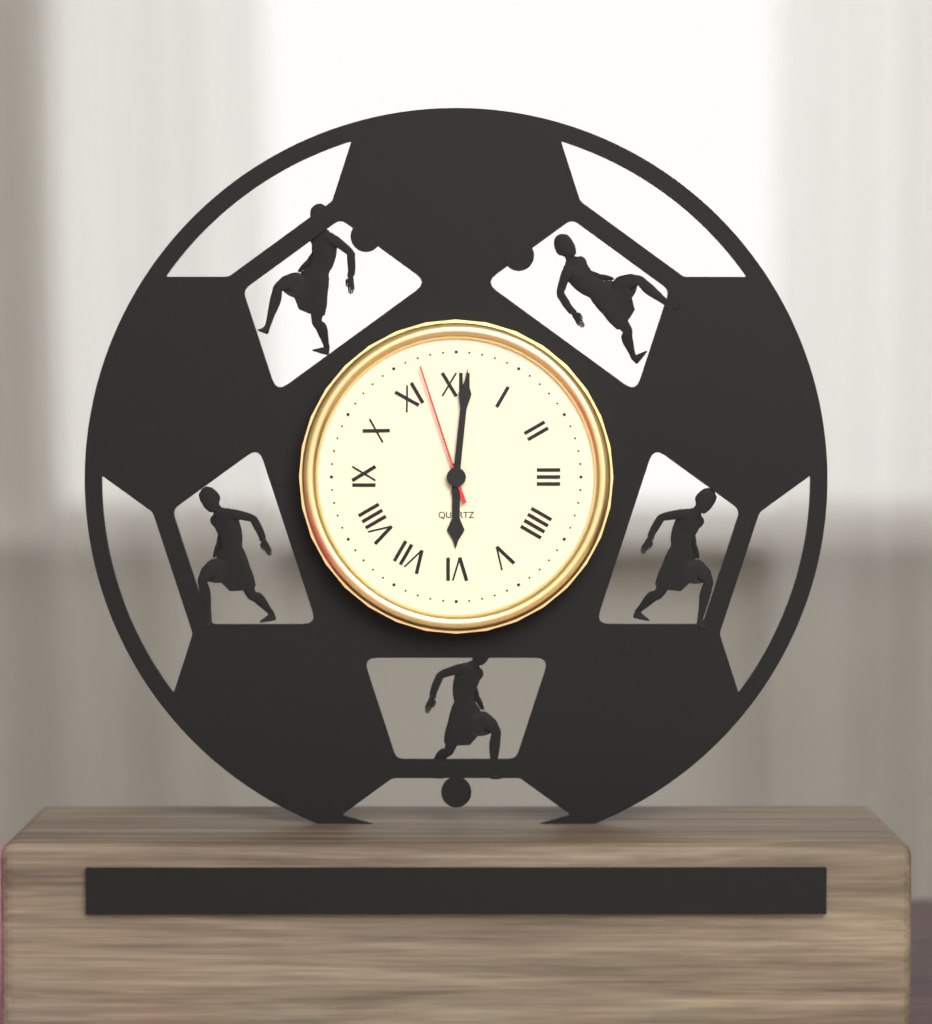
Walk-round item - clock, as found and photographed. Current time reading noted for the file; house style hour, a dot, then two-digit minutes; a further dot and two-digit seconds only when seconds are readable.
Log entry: 6.01.57
